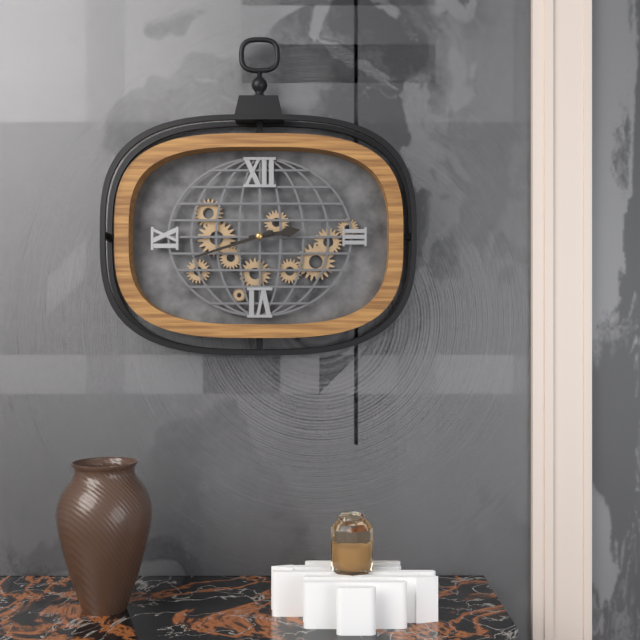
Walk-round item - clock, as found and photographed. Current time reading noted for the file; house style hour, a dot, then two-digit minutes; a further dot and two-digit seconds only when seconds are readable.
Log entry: 2.42
